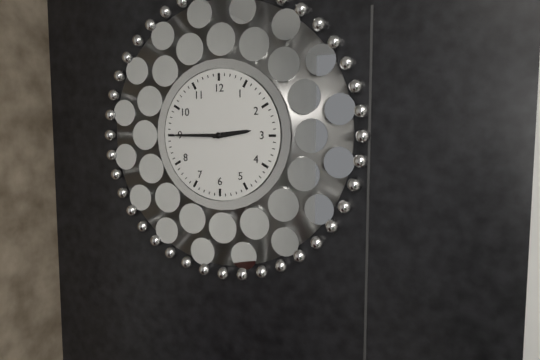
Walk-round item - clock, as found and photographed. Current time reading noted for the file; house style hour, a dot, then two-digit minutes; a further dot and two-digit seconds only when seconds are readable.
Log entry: 2.45
